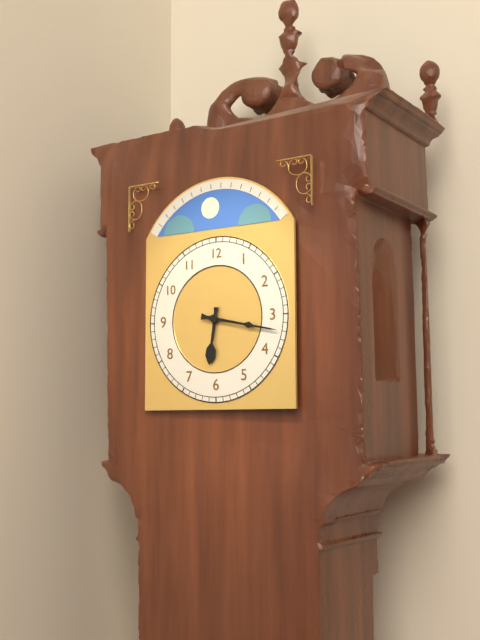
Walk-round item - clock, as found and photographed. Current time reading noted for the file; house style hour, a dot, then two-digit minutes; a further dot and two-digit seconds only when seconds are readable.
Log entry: 6.17
